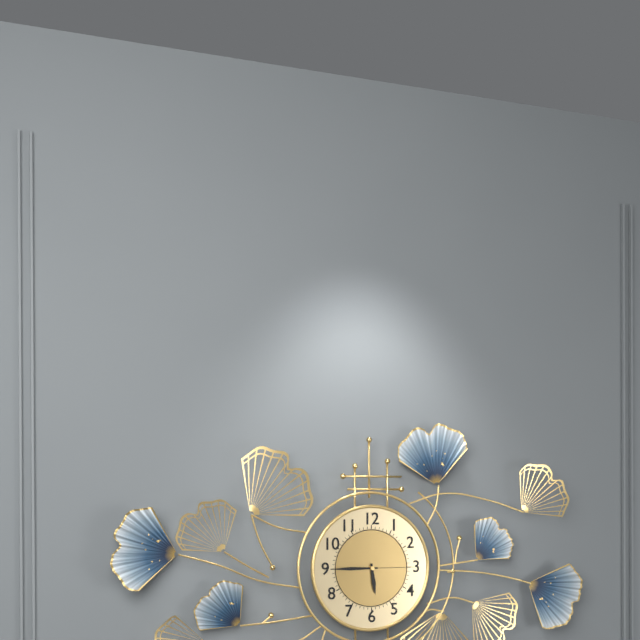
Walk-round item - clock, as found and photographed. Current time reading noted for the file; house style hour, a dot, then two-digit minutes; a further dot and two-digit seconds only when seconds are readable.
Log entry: 5.45.15
